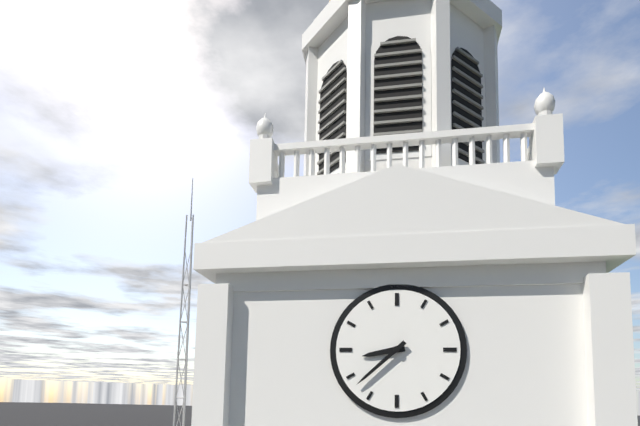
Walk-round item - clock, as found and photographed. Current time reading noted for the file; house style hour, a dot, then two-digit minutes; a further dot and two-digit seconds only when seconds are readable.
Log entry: 8.38
